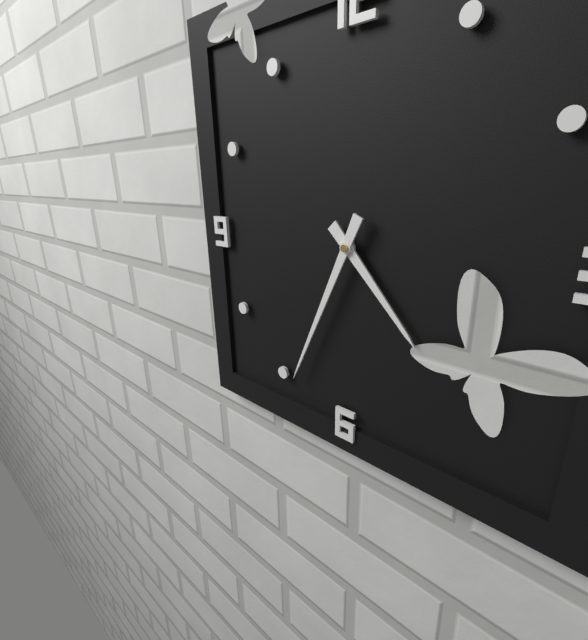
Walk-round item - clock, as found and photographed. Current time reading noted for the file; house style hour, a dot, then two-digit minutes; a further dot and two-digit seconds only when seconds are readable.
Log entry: 4.34
